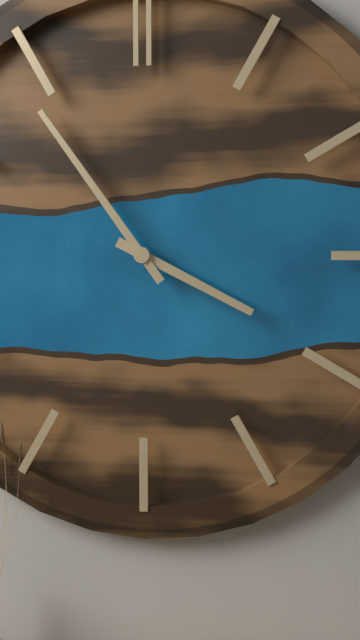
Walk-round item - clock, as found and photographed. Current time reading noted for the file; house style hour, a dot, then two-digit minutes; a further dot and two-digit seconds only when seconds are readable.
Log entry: 3.54
